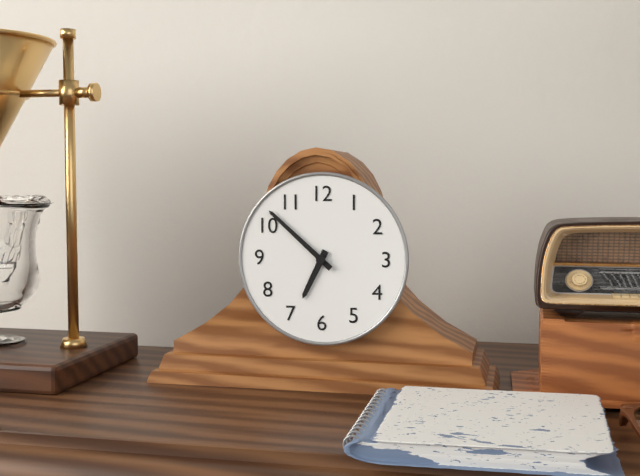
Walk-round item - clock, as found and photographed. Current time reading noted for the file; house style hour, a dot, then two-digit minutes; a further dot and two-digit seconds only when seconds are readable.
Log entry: 6.52
